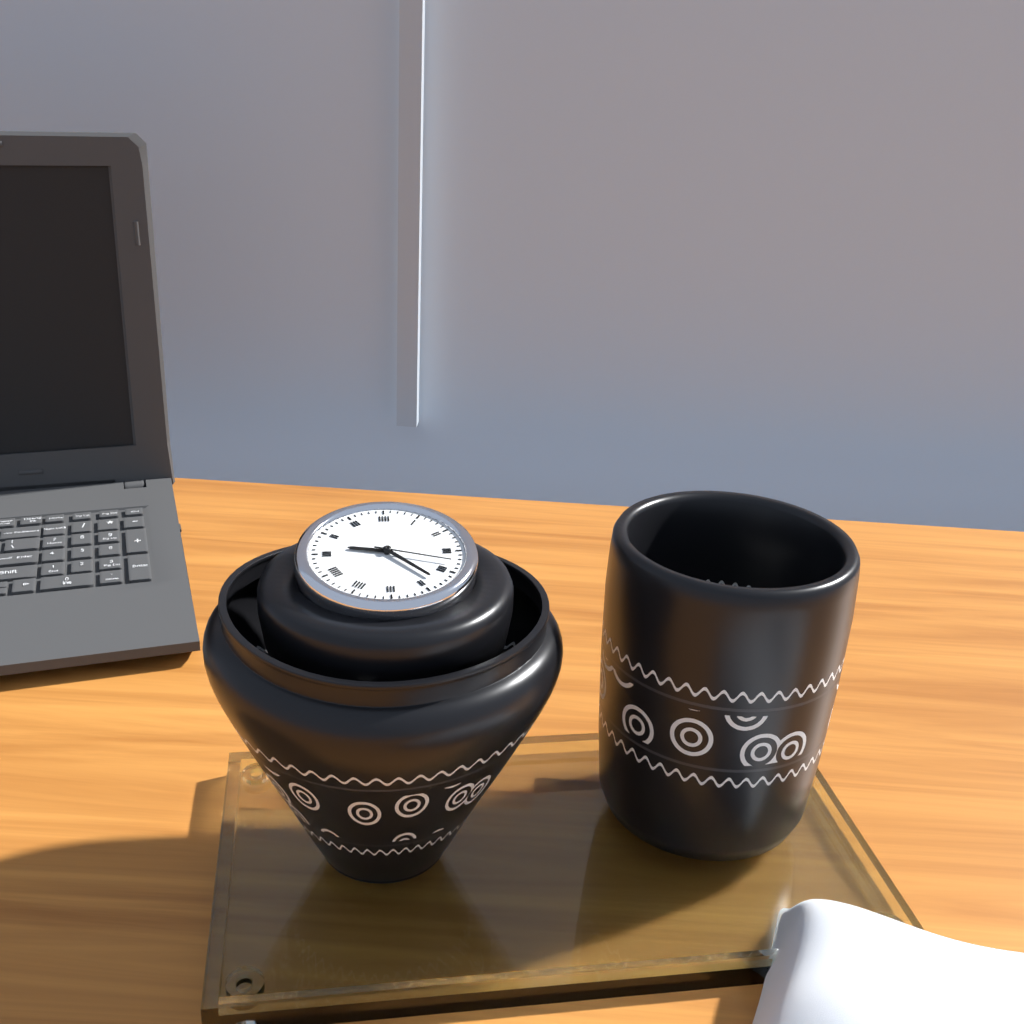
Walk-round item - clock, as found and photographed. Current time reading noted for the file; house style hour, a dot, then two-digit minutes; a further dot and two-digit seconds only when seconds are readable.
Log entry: 9.23.18
